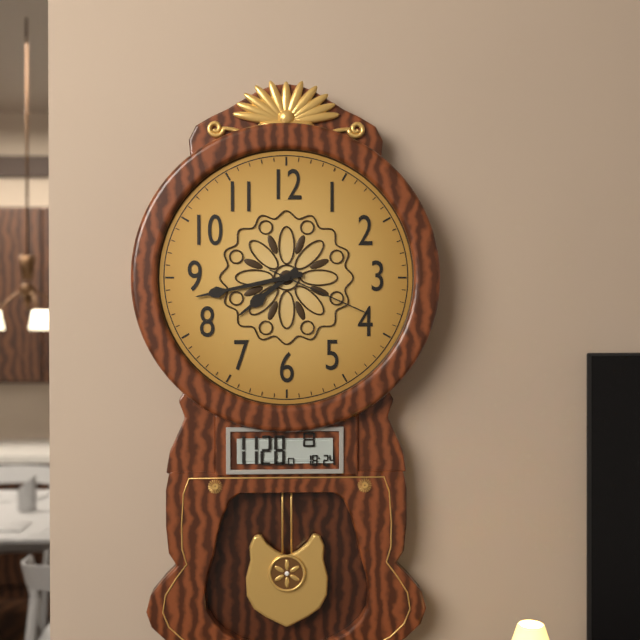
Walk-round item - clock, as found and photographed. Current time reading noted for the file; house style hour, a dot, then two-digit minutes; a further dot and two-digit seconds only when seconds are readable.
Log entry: 7.43.19
